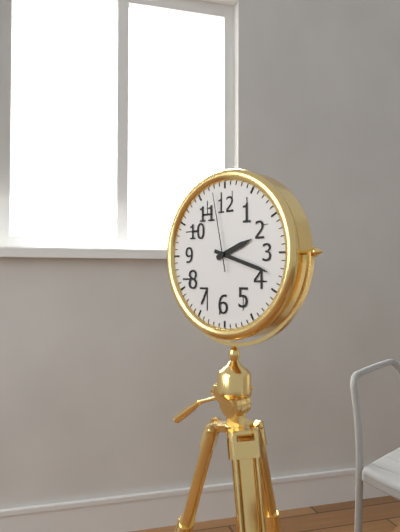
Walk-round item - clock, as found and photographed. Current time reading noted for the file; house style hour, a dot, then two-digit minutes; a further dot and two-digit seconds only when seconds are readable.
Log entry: 2.18.58
